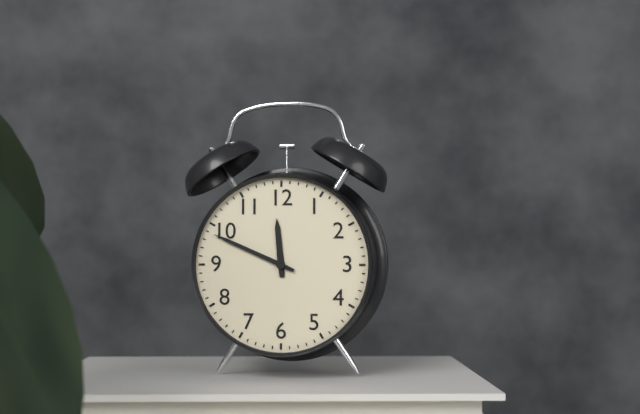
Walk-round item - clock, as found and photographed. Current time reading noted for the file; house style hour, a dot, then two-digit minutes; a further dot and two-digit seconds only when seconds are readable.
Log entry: 11.49
